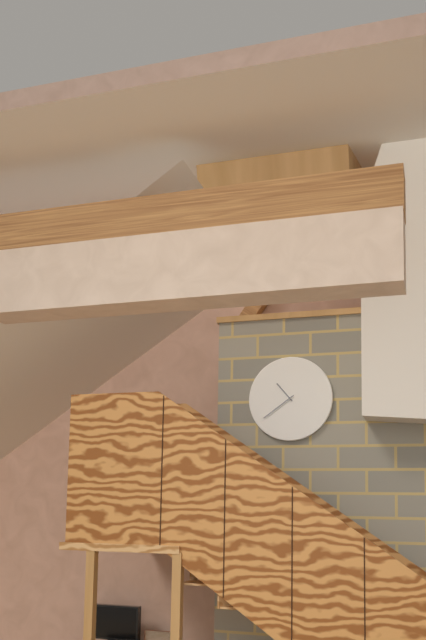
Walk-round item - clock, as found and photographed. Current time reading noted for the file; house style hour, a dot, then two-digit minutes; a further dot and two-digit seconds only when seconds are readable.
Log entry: 10.39
